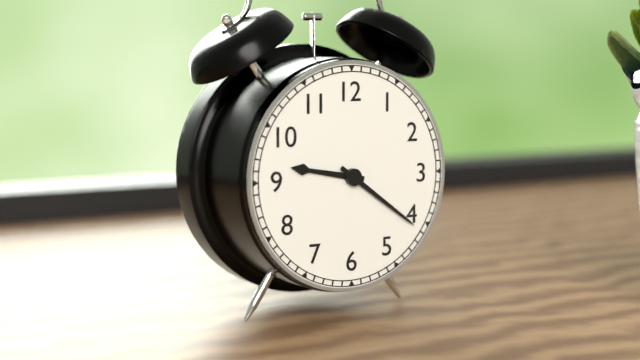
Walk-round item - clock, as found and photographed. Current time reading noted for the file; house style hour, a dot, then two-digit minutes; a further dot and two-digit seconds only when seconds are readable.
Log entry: 9.21
